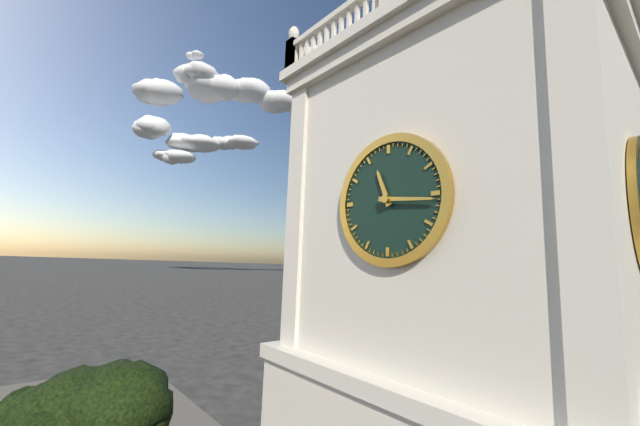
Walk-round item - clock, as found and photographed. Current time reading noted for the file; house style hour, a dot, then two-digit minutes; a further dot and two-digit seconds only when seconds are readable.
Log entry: 11.16
